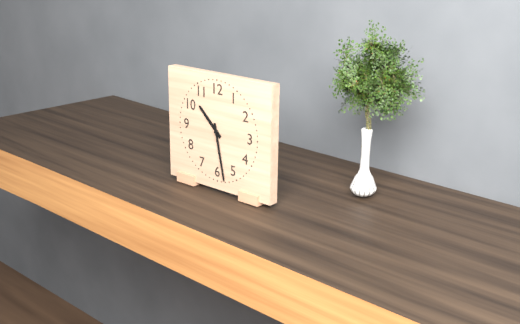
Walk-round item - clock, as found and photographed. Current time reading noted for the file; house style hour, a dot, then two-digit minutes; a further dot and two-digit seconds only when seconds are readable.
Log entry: 10.28
